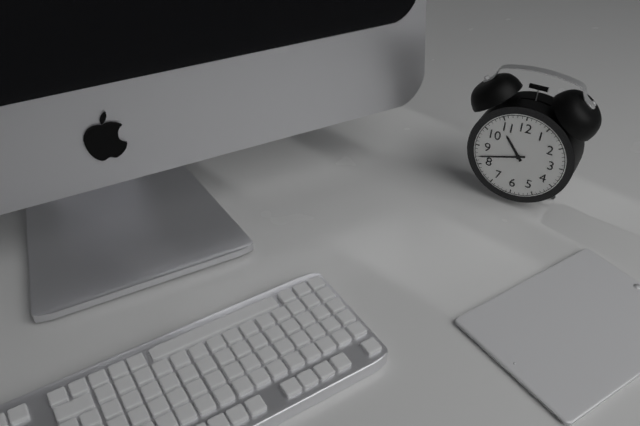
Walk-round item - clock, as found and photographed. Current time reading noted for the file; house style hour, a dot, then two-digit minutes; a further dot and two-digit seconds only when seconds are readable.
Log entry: 10.42
